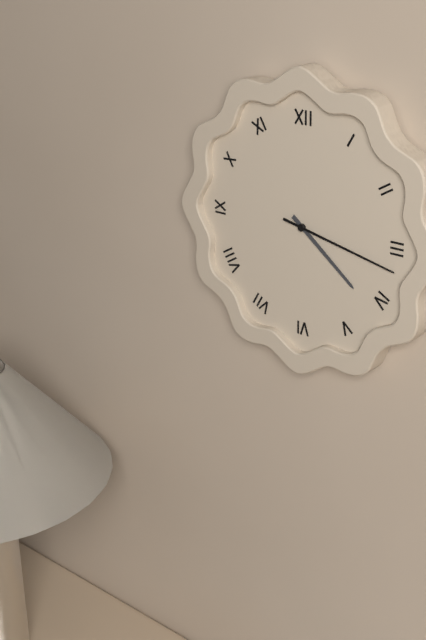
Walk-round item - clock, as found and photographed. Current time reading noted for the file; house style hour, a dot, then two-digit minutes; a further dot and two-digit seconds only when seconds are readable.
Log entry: 4.17
